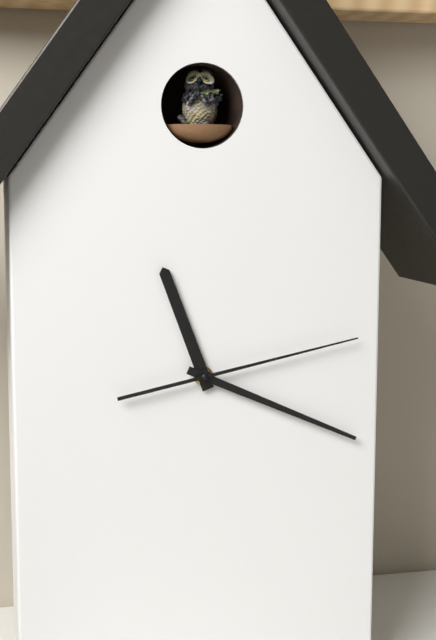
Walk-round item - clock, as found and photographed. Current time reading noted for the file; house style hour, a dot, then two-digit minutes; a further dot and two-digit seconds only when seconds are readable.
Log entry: 11.19.13
